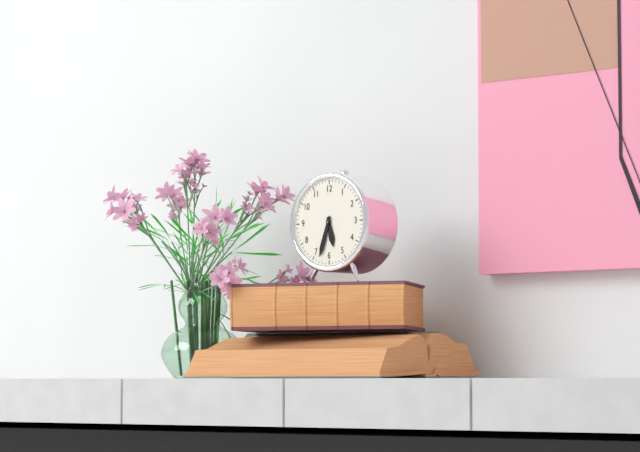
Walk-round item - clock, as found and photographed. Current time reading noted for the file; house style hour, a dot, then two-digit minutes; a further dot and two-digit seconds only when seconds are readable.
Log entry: 5.33
